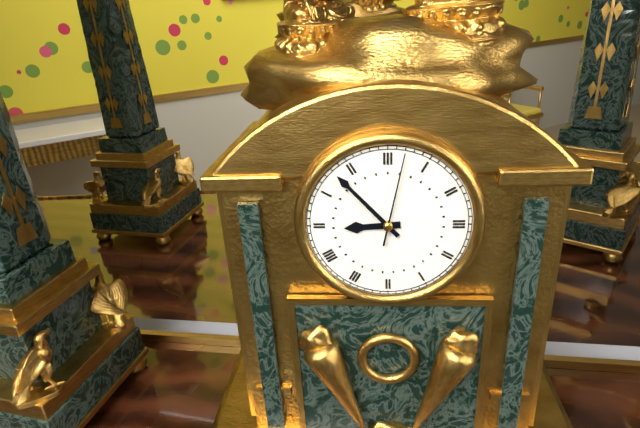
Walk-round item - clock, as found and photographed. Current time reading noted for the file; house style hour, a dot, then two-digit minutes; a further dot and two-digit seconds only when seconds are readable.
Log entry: 8.53.02
